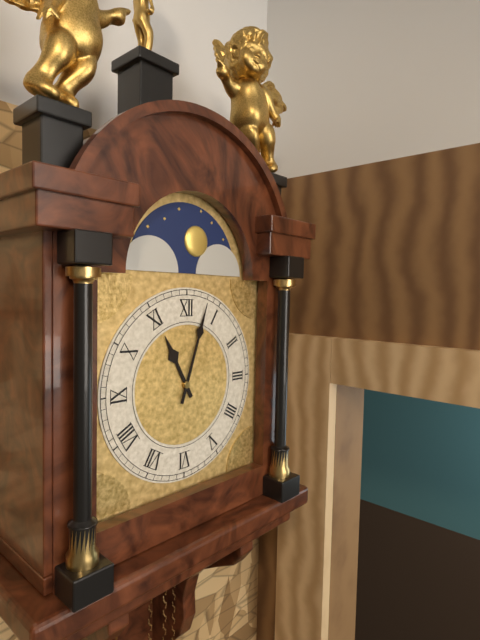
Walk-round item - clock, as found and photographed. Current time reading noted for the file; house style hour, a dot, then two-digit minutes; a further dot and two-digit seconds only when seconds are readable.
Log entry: 11.03
